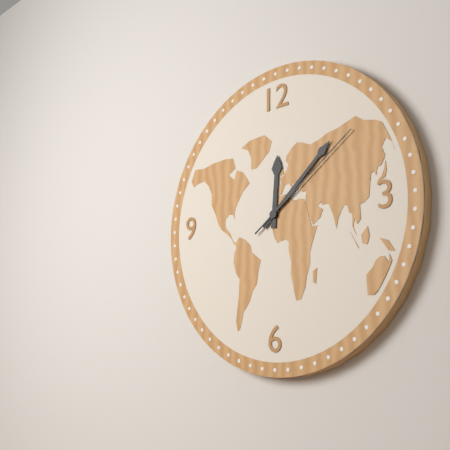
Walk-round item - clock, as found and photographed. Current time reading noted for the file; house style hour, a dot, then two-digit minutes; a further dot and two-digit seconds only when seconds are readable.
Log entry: 12.08.09
